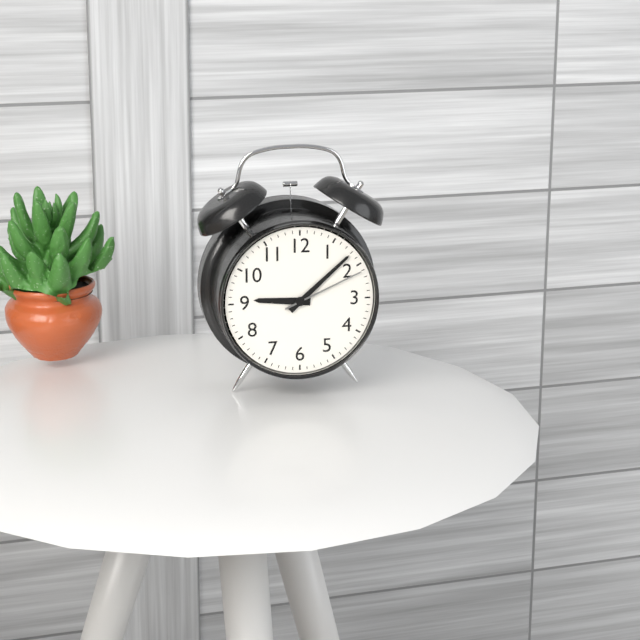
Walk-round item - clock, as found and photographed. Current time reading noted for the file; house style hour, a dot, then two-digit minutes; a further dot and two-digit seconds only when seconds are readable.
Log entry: 9.08.11
